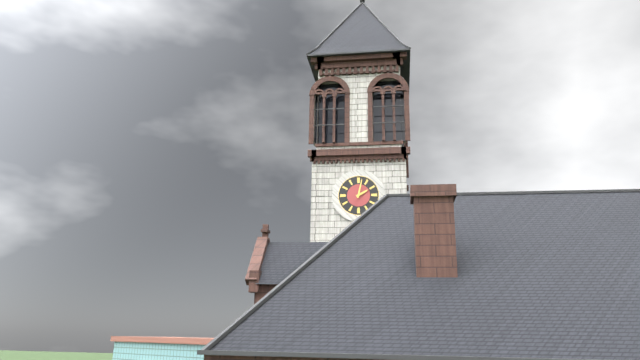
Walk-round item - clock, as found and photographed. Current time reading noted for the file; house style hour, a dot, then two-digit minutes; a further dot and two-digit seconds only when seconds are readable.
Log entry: 2.02
